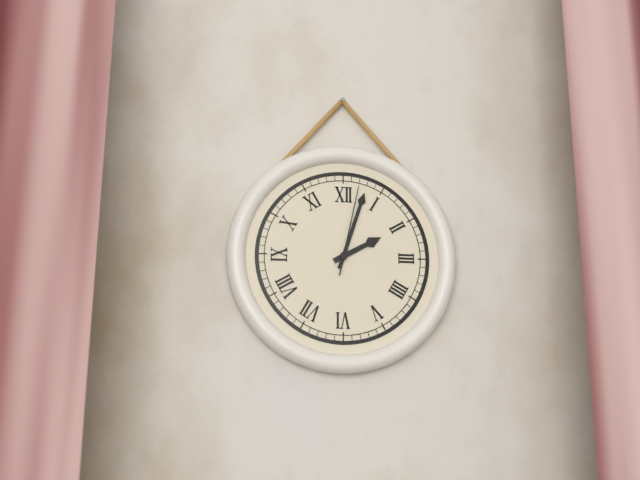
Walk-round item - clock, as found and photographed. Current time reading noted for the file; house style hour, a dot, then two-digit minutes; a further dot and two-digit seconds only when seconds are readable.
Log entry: 2.03.02
